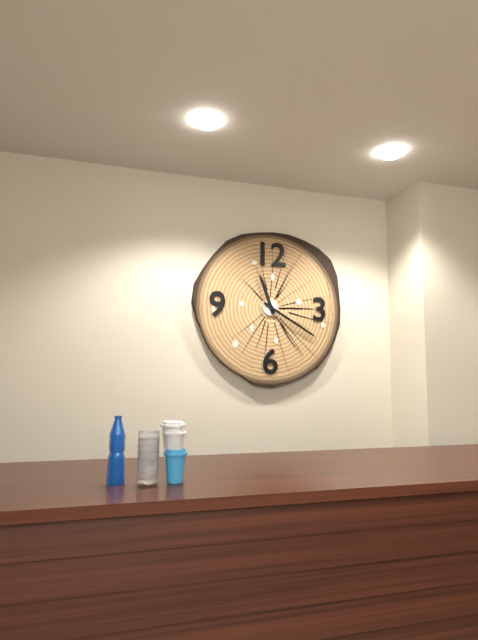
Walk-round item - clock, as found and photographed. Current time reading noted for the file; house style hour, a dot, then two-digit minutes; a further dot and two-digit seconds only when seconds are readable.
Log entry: 11.20
